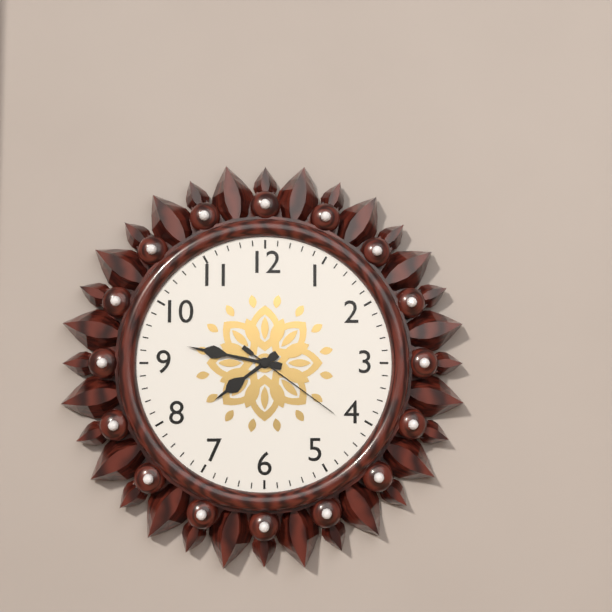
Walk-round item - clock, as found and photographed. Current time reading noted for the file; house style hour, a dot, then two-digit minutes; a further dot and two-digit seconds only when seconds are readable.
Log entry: 7.47.21
